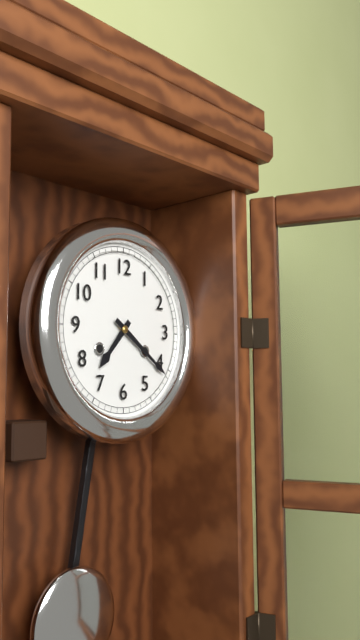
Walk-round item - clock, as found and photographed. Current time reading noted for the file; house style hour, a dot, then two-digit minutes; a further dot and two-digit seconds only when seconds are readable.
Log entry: 7.21
